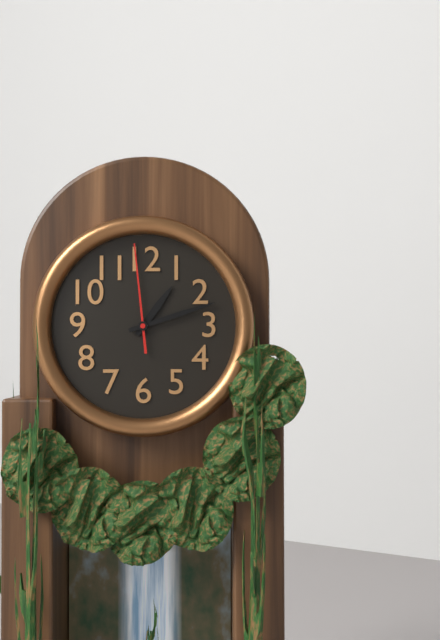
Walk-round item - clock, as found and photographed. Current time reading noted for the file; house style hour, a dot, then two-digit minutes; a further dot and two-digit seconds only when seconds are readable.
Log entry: 1.12.59
